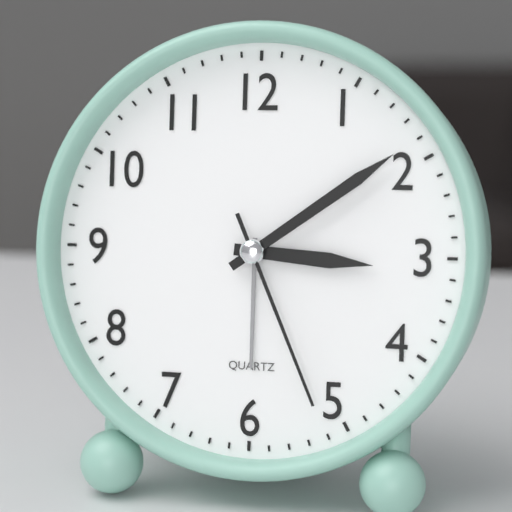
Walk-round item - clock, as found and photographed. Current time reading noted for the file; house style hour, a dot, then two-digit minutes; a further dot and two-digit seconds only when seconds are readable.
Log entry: 3.09.26
